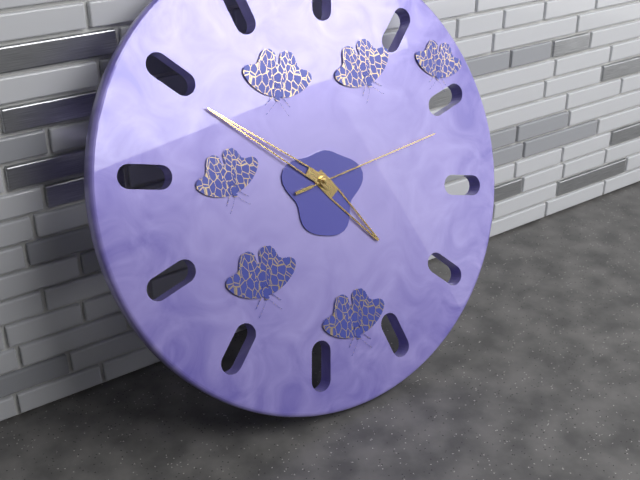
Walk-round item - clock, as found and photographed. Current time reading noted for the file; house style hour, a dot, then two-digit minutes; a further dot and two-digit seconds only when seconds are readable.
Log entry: 4.52.14
